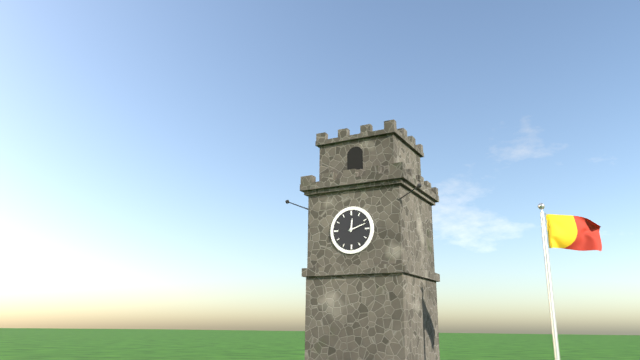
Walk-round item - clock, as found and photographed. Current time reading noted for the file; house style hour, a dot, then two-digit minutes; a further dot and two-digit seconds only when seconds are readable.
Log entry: 12.12
